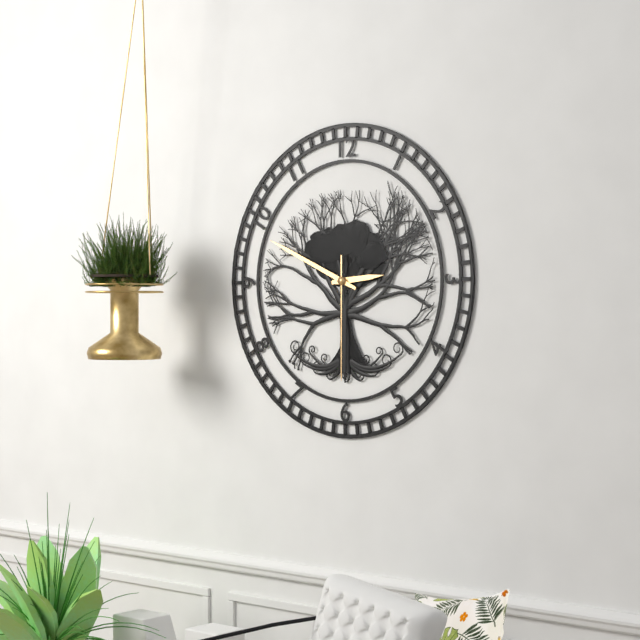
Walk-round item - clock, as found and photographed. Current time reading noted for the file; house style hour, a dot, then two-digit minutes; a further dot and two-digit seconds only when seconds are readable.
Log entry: 2.49.30
